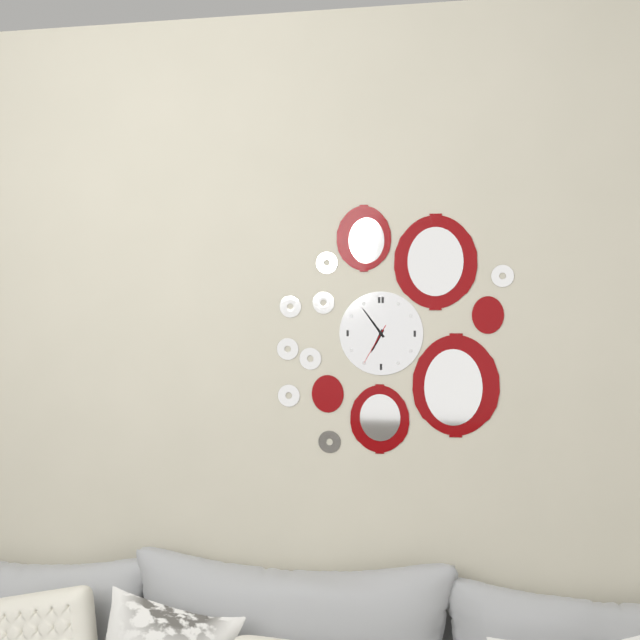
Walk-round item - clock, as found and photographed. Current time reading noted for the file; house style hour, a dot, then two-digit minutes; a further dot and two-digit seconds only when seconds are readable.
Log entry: 6.54
